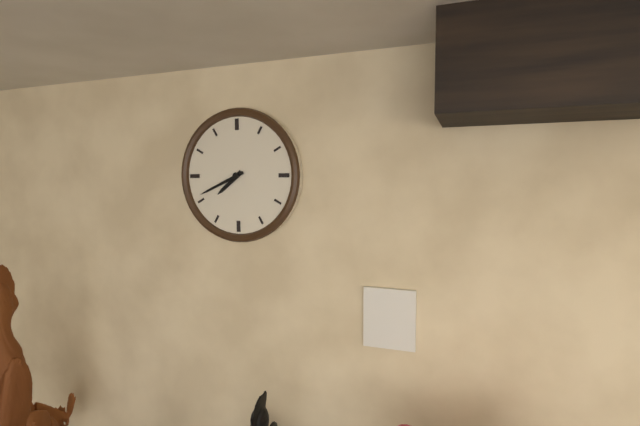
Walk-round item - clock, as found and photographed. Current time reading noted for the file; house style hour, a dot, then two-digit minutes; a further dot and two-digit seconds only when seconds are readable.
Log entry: 7.41
